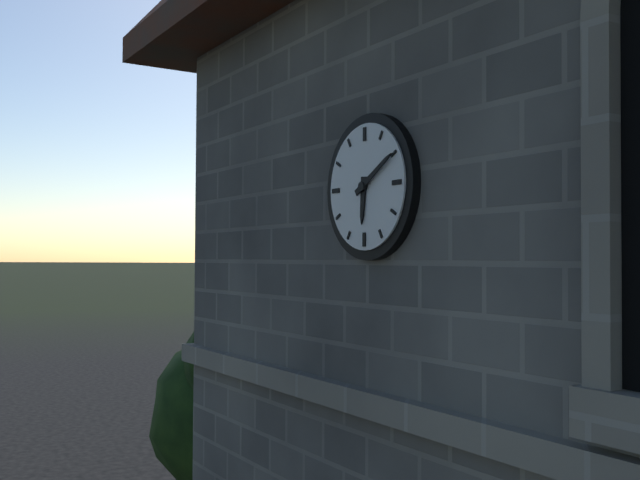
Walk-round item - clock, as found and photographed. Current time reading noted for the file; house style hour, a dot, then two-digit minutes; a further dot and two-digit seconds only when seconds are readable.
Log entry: 6.10
